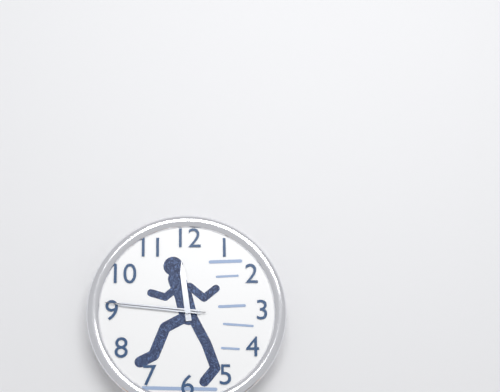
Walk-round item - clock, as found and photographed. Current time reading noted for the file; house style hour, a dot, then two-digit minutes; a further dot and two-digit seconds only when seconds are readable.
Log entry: 11.46.46
